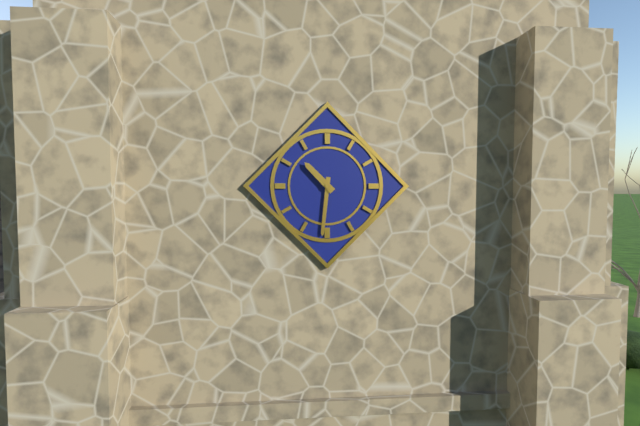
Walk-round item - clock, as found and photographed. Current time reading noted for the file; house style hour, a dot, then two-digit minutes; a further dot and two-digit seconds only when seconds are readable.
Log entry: 10.31
